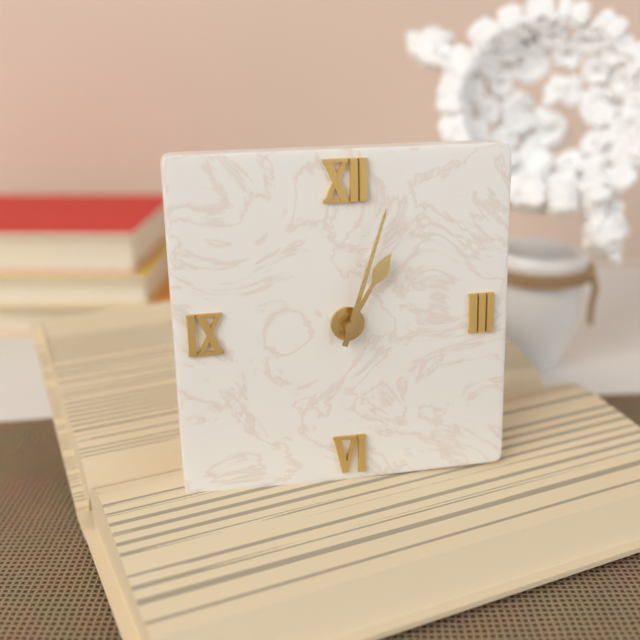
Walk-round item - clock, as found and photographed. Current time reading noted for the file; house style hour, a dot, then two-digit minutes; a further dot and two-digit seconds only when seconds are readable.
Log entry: 1.03
